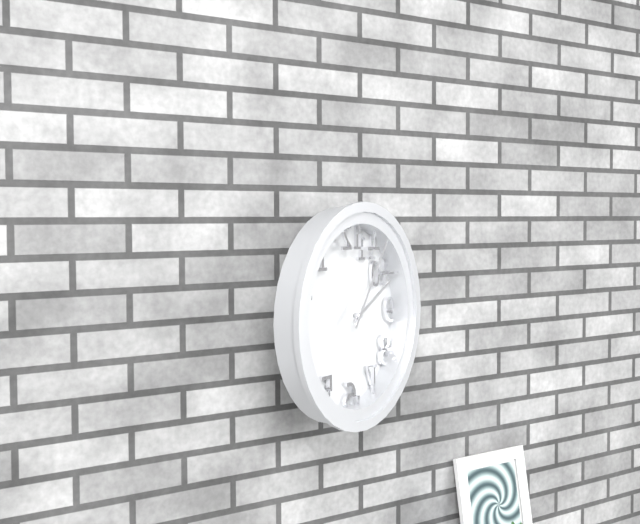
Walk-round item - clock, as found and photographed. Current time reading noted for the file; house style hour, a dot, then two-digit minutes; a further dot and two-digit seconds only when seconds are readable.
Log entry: 2.06
